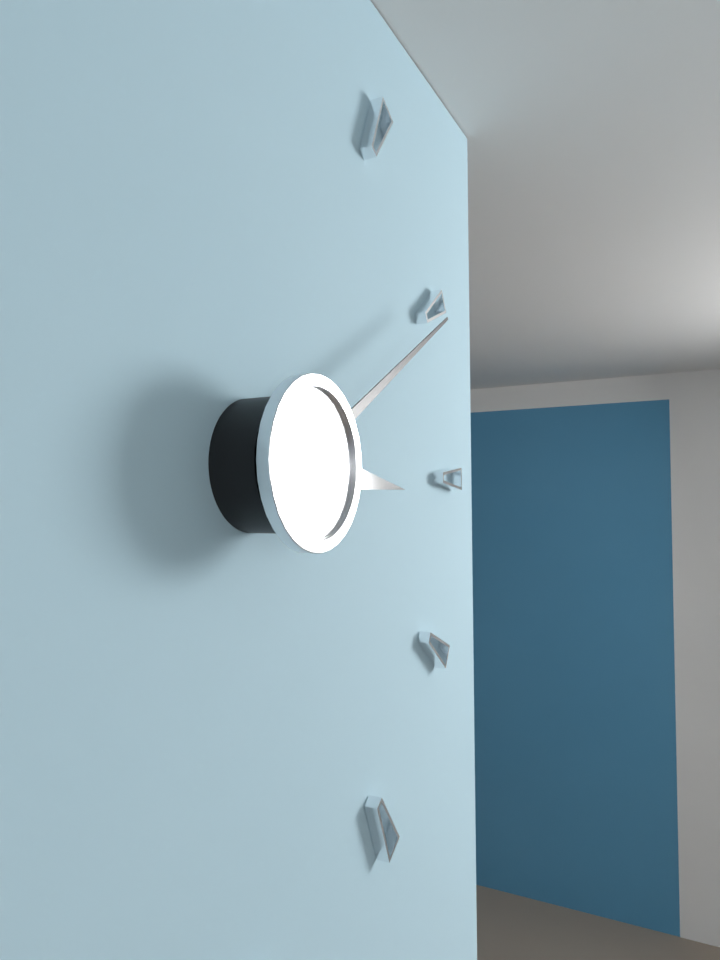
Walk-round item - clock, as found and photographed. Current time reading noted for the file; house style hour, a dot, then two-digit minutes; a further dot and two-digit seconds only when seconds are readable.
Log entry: 3.10
